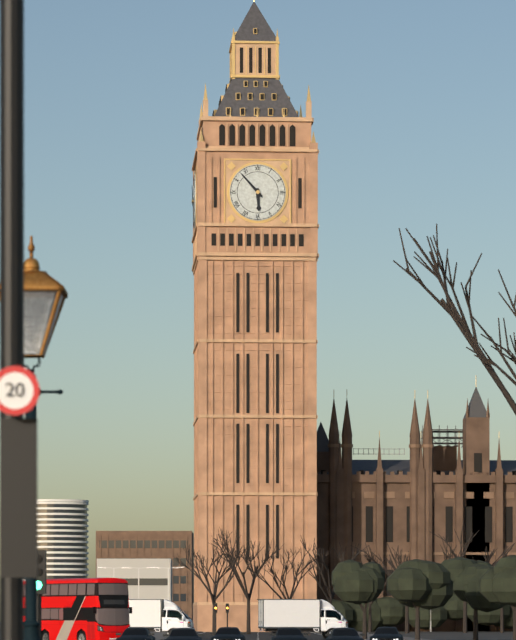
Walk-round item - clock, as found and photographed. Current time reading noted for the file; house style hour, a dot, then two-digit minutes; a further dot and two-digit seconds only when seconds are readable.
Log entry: 5.53
